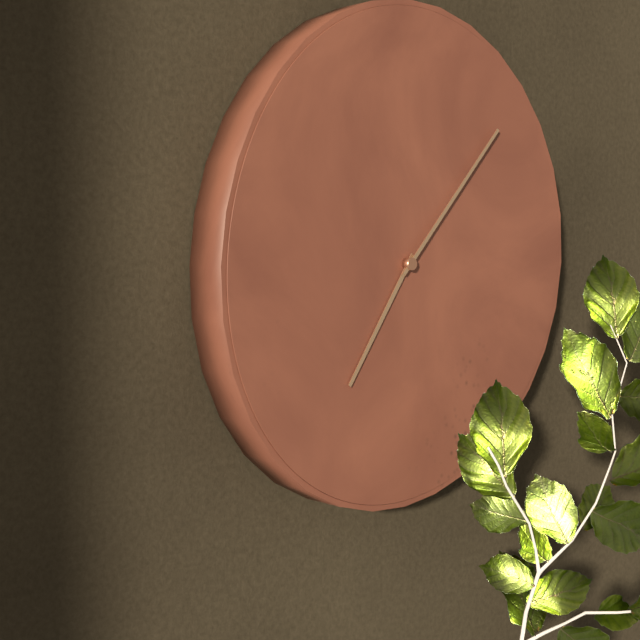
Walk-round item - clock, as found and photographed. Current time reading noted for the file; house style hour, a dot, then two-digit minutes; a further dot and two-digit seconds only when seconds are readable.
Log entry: 7.07
